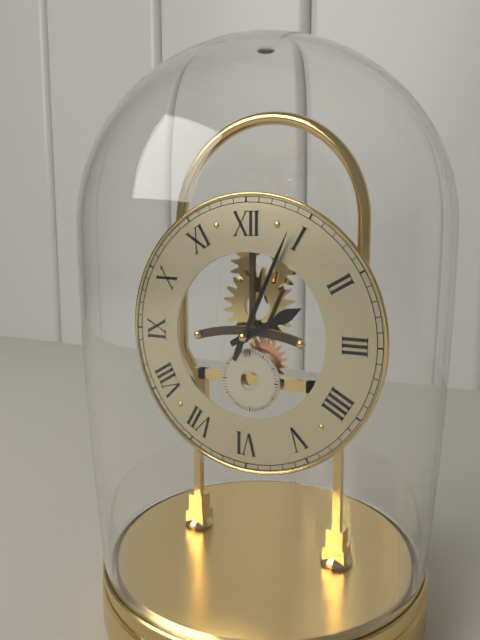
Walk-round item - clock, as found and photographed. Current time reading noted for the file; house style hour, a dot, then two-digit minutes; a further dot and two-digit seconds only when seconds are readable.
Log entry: 2.04
